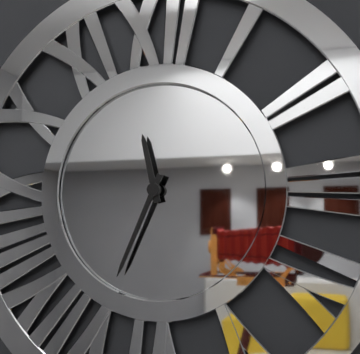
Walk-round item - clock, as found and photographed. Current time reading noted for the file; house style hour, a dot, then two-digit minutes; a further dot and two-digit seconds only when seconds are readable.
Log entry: 11.34
